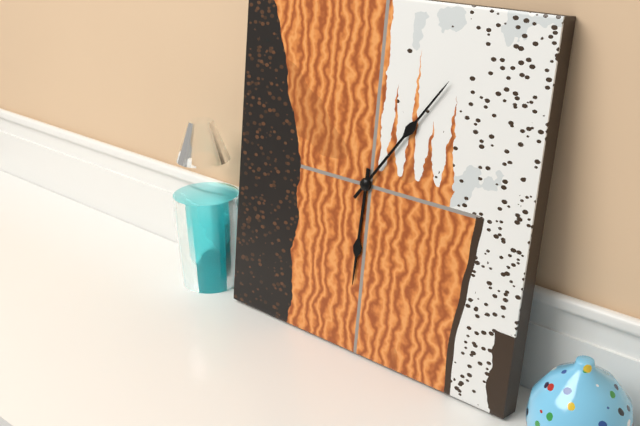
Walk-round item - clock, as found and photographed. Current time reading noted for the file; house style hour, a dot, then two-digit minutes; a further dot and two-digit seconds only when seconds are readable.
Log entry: 6.06
